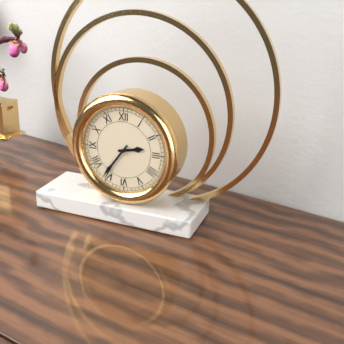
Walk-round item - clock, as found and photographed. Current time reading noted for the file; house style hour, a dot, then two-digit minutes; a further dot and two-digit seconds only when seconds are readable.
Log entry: 2.36
